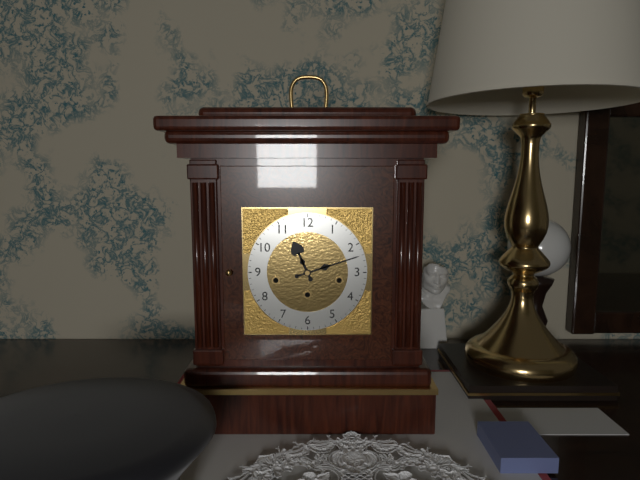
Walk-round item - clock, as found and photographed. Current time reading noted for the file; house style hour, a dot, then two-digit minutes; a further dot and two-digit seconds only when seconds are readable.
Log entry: 11.12
